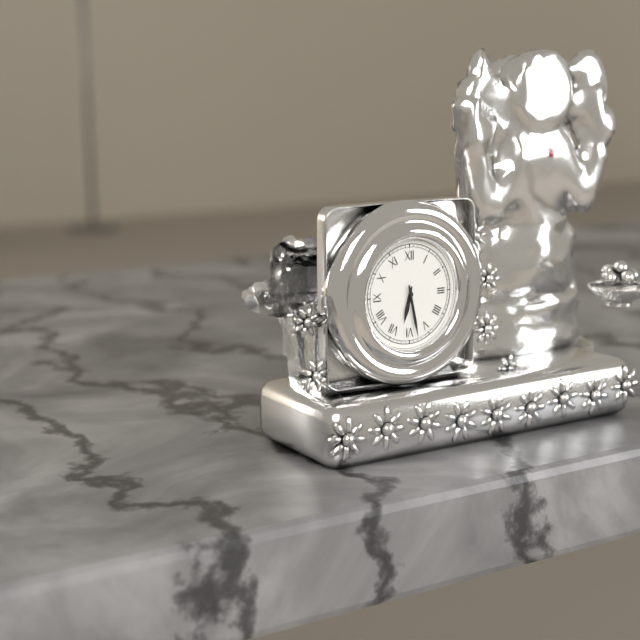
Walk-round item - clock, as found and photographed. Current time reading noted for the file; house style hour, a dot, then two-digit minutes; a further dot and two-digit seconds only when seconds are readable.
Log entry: 6.28
